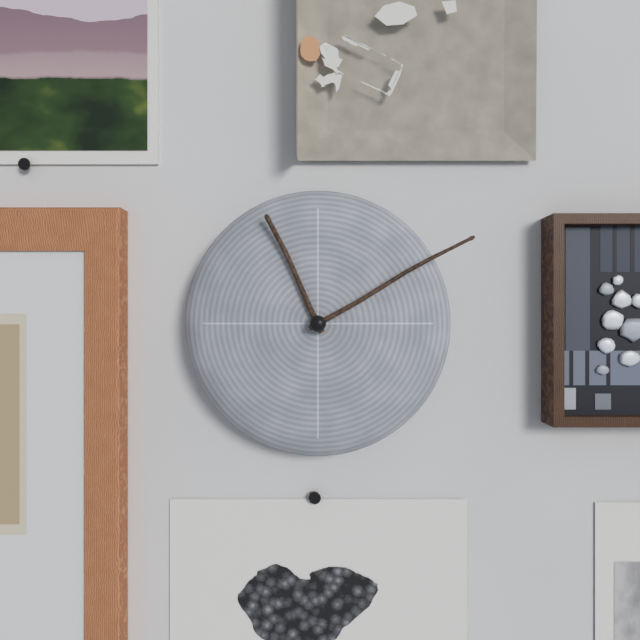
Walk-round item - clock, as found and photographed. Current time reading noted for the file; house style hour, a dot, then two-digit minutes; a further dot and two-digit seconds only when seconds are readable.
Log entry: 11.10
